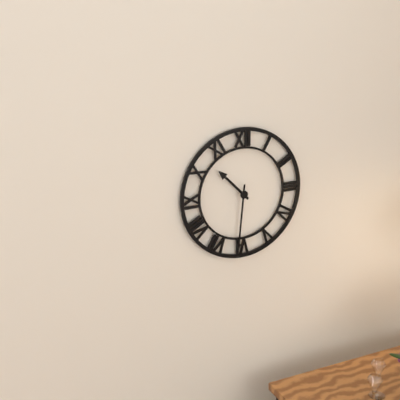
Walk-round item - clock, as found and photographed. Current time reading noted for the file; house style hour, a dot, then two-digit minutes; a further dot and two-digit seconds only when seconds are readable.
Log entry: 10.31
